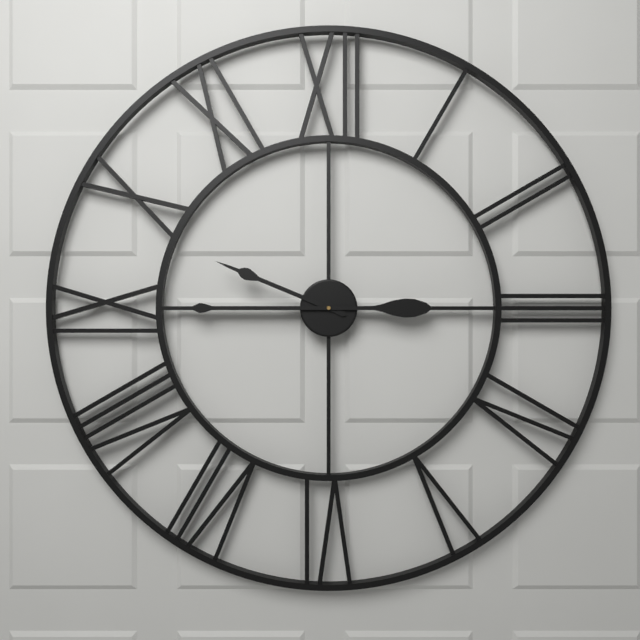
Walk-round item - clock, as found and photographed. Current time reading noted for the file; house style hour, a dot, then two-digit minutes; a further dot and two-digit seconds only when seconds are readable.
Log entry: 9.45
